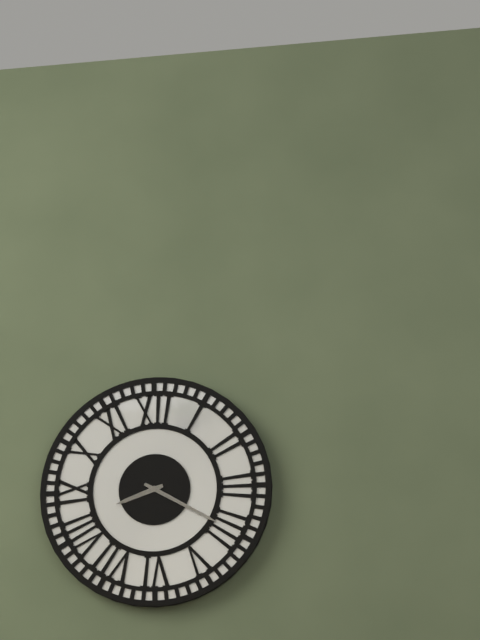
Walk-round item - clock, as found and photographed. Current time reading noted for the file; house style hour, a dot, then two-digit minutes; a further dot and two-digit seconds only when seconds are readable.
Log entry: 8.20
